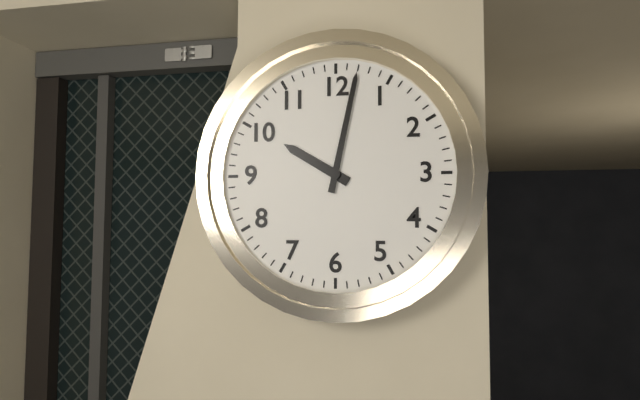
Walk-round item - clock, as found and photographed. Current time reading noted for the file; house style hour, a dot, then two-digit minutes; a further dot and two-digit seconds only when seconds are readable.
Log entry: 10.02
